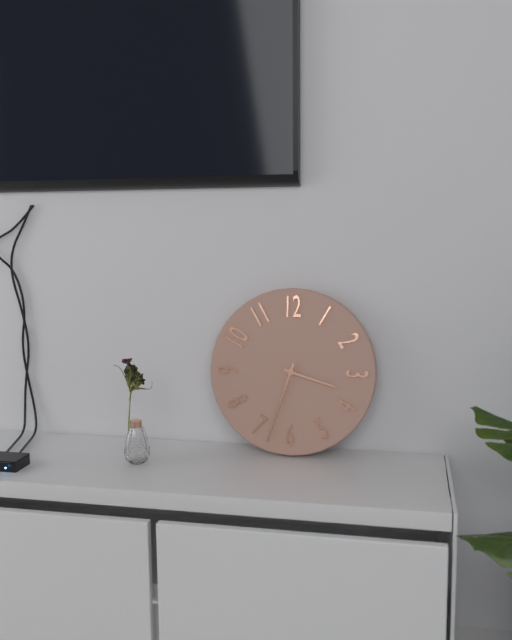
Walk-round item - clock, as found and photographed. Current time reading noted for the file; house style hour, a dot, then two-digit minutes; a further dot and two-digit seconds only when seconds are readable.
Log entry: 3.33
